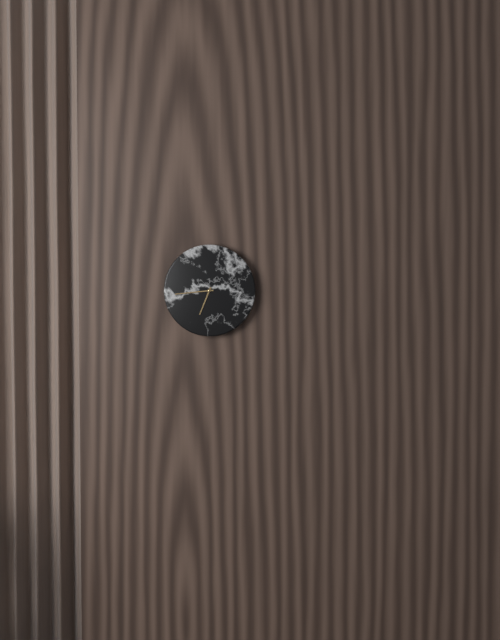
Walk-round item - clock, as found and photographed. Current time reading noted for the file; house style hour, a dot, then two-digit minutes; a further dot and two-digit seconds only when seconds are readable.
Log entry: 6.44
